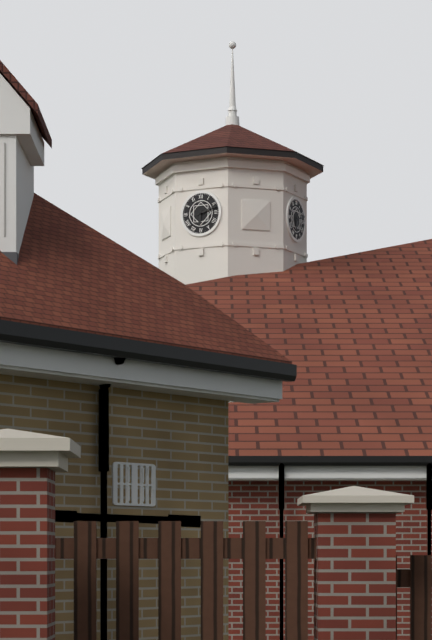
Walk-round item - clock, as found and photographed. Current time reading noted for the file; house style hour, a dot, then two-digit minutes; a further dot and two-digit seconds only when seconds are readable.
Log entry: 6.12
